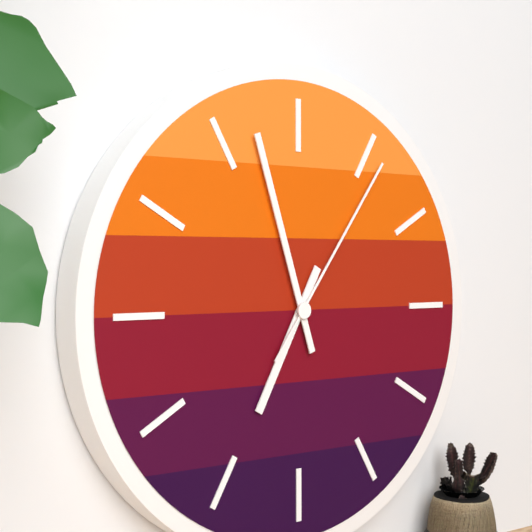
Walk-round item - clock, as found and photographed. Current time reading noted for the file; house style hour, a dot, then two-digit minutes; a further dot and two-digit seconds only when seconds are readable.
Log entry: 6.57.06
